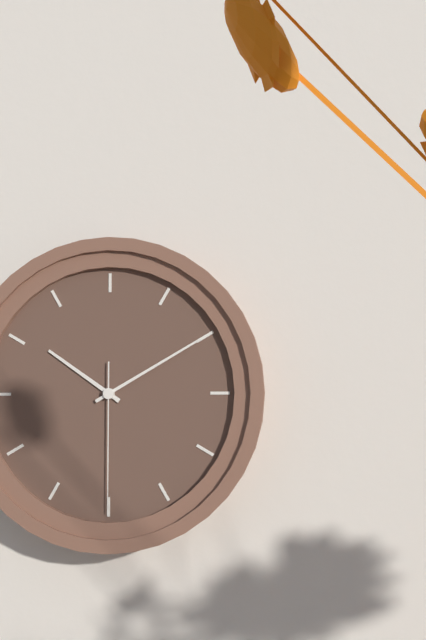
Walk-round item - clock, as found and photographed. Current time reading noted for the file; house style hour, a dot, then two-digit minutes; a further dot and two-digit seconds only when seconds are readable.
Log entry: 10.10.30
